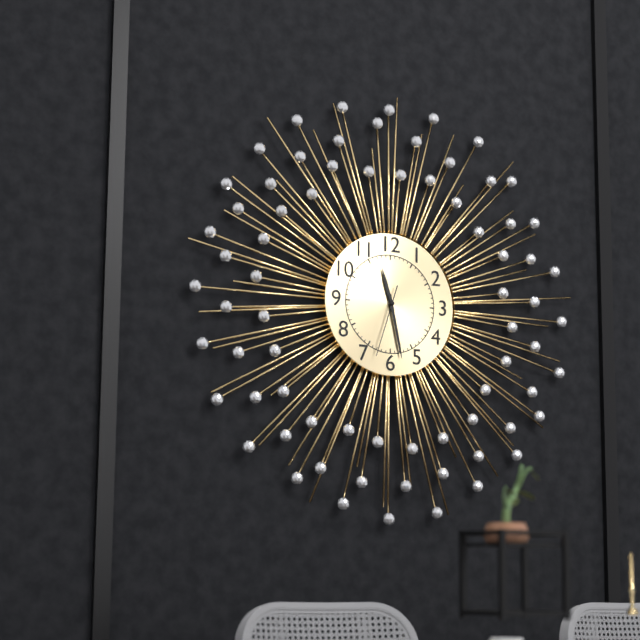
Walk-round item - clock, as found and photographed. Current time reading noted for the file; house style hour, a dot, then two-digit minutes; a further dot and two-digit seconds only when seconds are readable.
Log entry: 11.28.33
